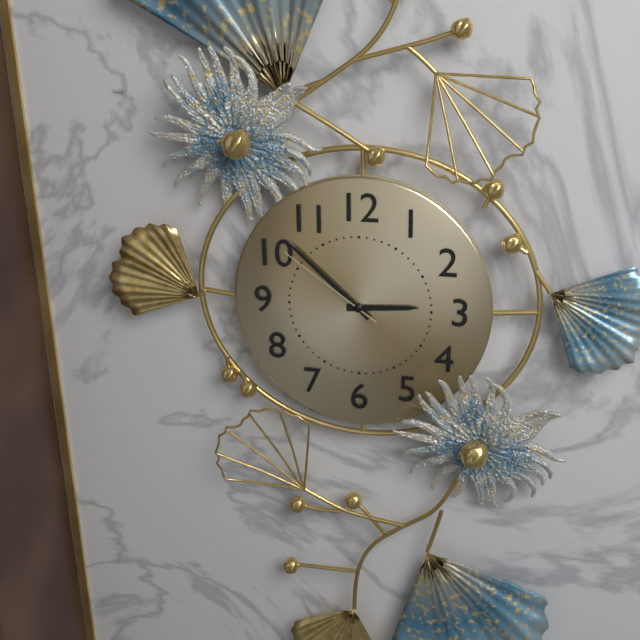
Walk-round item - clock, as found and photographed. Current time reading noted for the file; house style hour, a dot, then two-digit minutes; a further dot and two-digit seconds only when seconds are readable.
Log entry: 2.52.51
